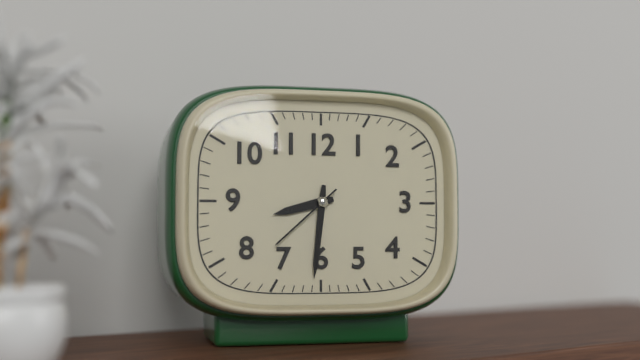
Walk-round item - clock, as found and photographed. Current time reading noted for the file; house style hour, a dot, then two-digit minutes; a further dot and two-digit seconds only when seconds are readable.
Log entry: 8.31.38
